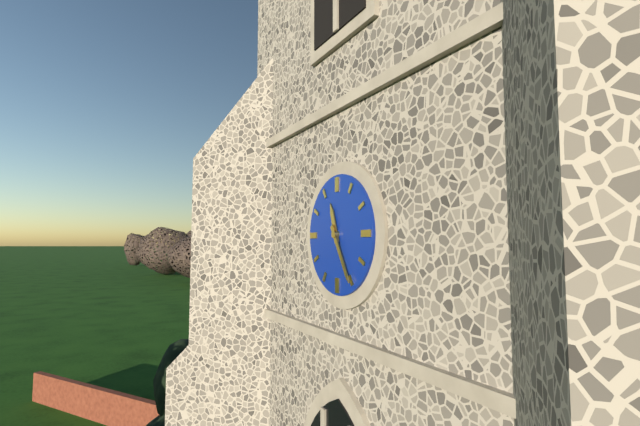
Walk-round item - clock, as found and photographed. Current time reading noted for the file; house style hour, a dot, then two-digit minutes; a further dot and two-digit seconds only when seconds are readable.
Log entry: 11.25
